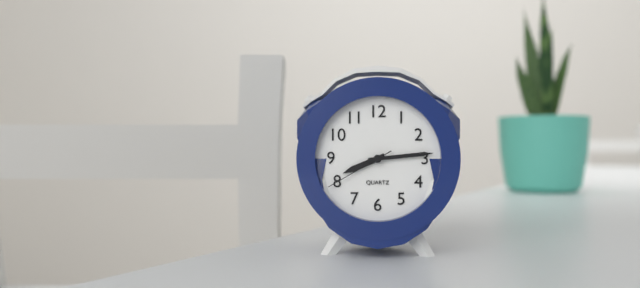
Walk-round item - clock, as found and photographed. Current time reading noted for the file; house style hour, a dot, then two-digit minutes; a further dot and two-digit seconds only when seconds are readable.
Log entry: 8.14.40
